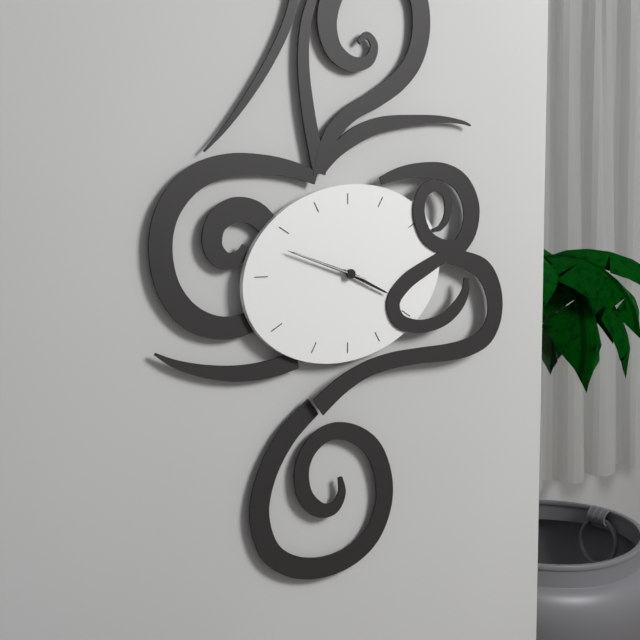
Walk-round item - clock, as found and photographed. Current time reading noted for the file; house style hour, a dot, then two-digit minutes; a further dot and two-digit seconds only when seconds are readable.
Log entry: 3.48.48
